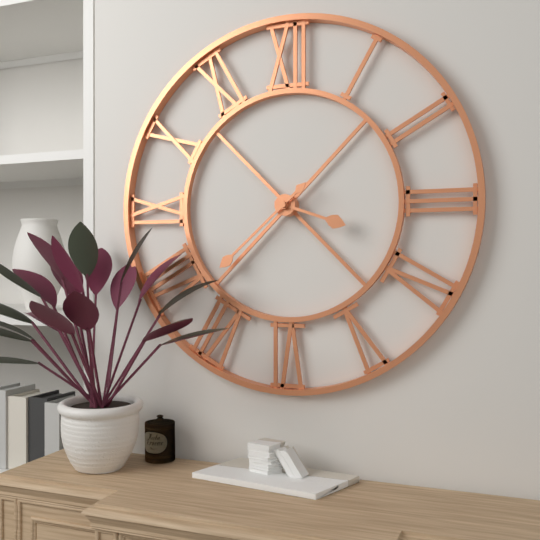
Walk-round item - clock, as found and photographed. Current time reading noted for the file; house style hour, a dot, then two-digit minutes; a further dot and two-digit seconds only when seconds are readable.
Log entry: 3.38
